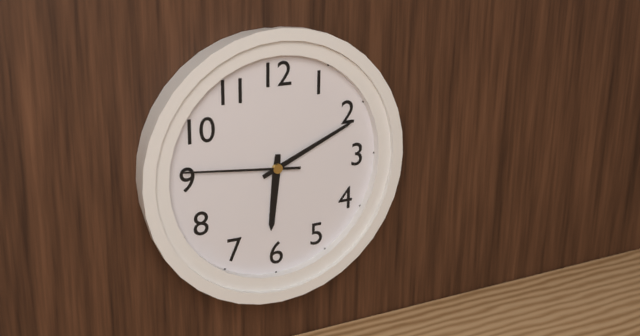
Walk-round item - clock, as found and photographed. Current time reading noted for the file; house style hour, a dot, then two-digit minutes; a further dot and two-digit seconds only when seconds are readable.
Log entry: 6.11.46
